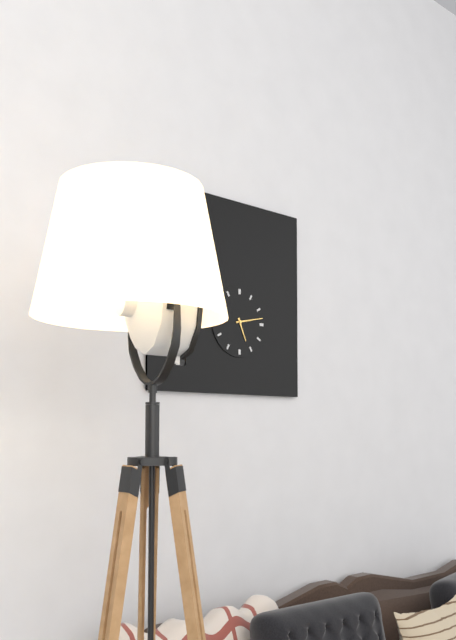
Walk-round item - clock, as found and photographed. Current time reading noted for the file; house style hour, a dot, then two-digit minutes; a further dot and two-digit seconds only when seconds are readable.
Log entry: 5.13
